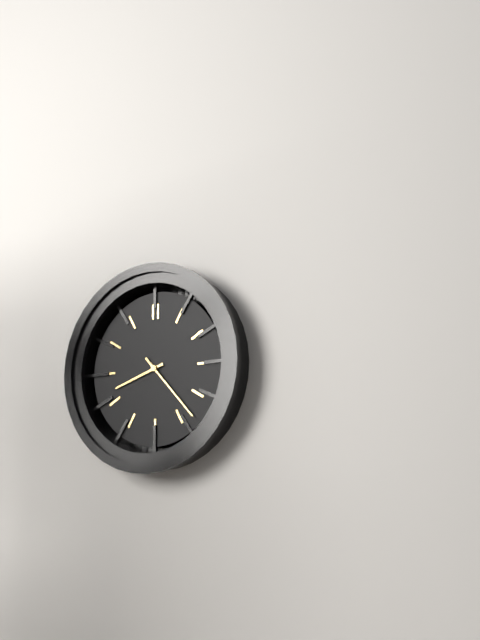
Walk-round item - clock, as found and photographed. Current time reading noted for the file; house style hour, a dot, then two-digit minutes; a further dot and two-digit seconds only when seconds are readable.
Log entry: 8.23
